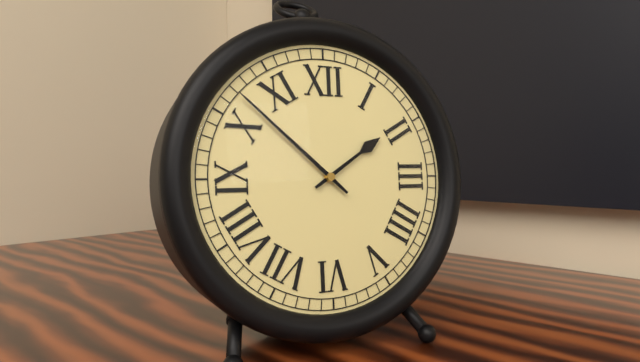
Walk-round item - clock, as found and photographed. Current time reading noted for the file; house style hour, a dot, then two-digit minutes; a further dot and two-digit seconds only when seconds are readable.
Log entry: 1.52
